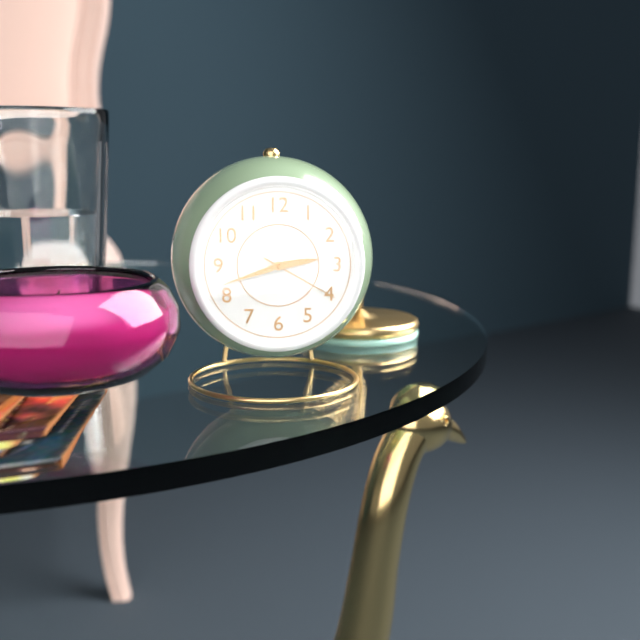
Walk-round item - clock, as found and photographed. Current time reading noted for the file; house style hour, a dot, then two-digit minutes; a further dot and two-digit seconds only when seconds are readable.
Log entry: 2.42.20
